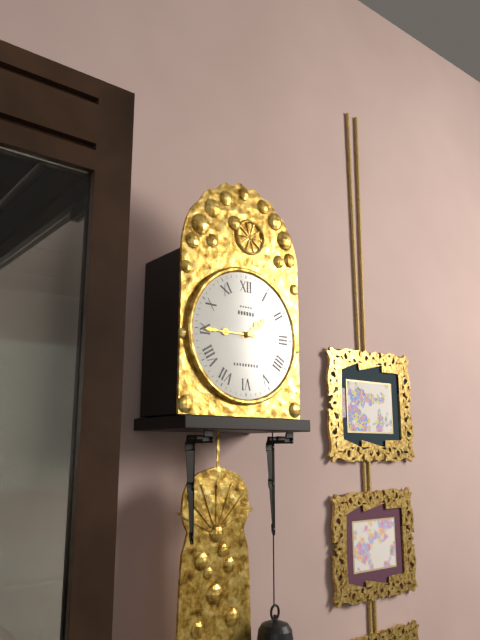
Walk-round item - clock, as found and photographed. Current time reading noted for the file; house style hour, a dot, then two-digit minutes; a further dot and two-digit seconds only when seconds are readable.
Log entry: 1.45
